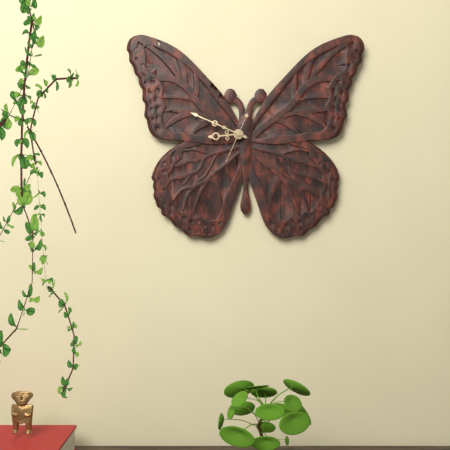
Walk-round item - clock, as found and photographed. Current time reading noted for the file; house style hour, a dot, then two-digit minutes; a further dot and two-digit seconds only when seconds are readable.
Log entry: 8.49
